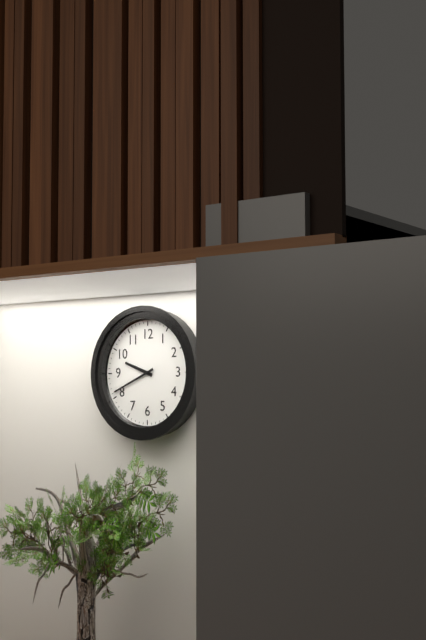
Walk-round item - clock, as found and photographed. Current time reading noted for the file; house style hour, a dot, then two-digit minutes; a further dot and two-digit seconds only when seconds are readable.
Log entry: 9.41
